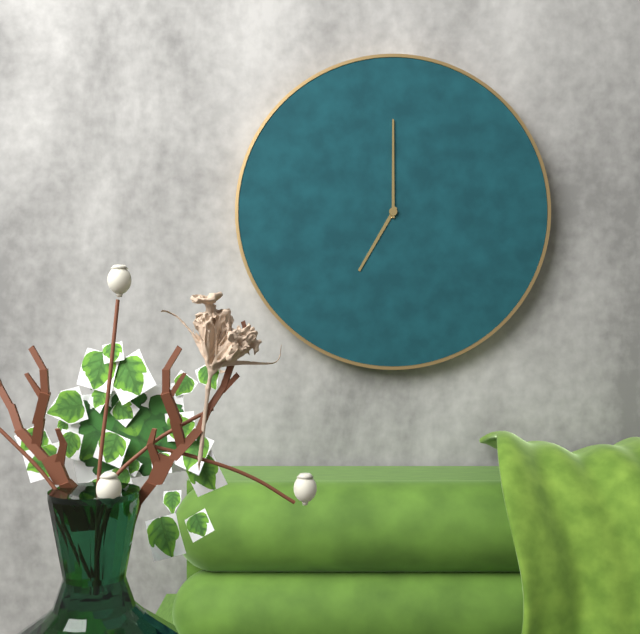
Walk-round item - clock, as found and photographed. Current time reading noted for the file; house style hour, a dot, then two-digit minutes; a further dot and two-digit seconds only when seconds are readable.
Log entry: 7.00
